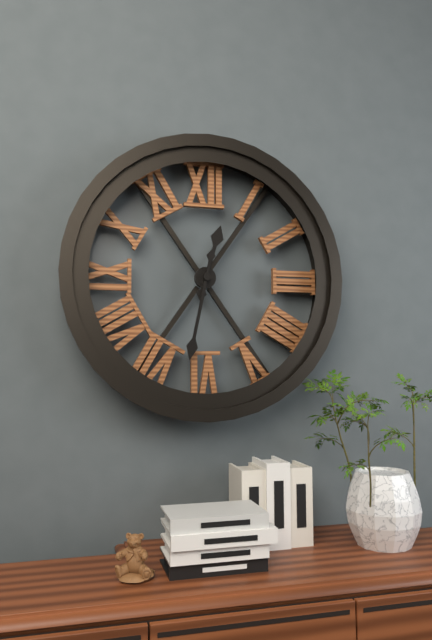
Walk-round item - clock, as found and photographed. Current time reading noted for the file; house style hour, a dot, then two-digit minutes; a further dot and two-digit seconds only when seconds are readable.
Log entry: 12.32
